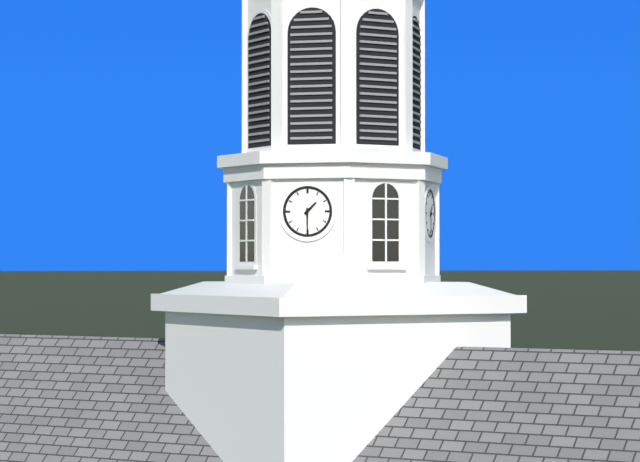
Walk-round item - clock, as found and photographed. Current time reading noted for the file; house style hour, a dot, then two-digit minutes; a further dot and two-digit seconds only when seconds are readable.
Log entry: 1.30
